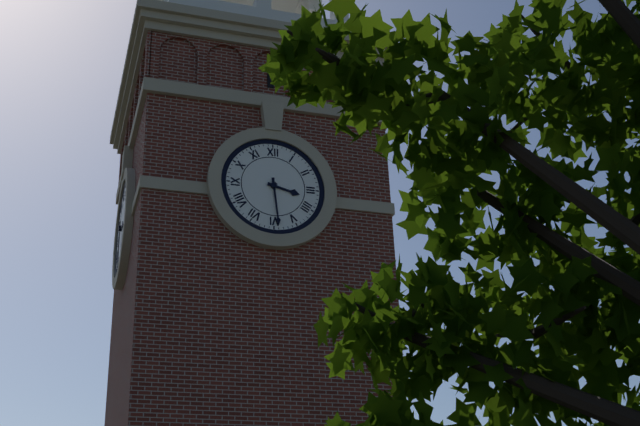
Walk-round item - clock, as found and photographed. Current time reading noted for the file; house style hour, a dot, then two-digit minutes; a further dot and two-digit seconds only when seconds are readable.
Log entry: 3.29
